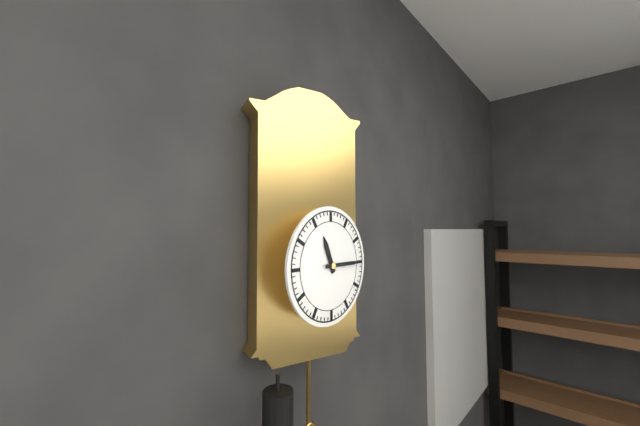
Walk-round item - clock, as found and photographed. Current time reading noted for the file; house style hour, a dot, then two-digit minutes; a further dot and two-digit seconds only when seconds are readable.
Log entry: 11.15
